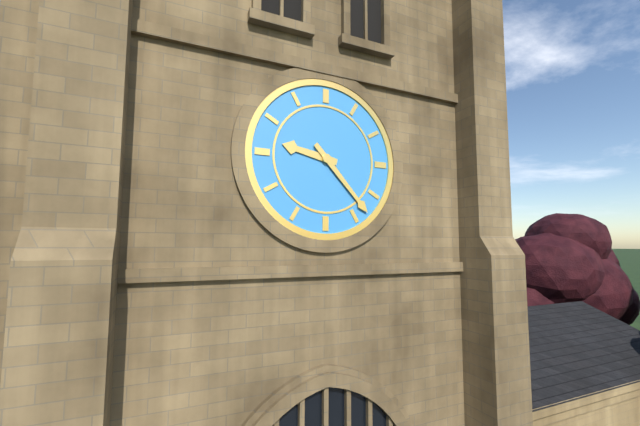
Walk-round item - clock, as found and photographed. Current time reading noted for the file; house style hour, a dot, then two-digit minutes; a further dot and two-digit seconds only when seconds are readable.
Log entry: 9.23
